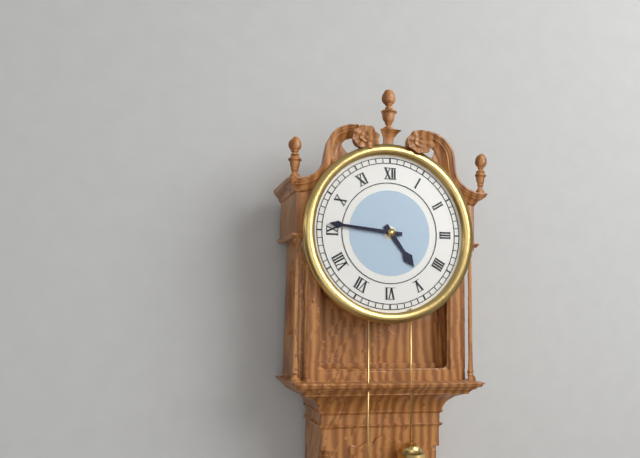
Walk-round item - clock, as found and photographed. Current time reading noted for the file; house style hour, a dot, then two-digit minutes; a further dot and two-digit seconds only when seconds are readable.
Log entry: 4.46
